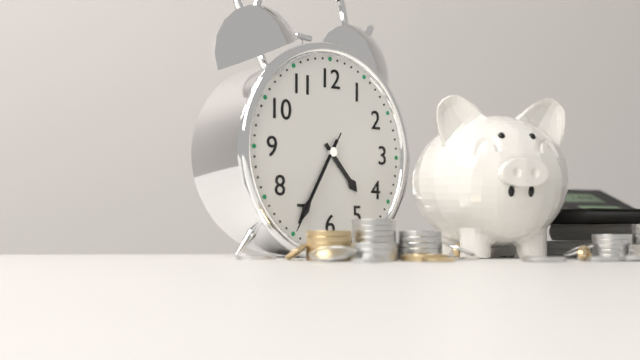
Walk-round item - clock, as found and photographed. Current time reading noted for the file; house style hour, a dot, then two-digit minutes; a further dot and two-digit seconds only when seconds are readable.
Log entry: 4.35.35
